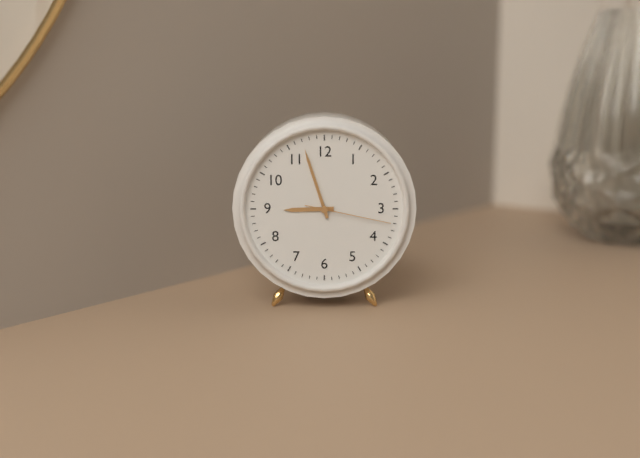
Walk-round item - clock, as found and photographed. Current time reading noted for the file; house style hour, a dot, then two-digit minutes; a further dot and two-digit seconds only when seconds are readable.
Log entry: 8.57.17
